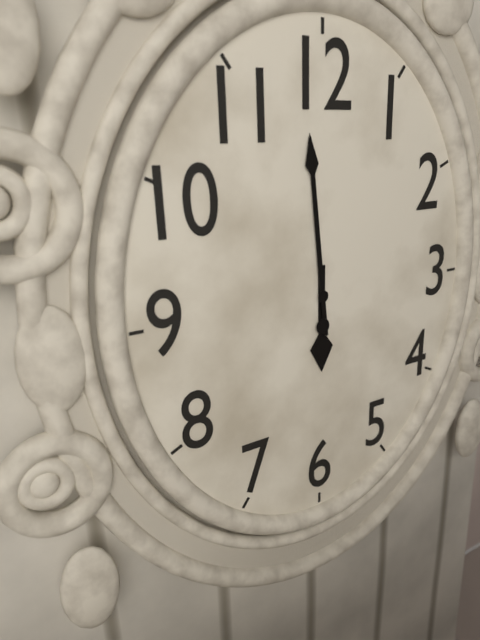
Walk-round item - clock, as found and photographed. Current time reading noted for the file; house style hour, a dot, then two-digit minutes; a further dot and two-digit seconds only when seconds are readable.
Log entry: 5.59
